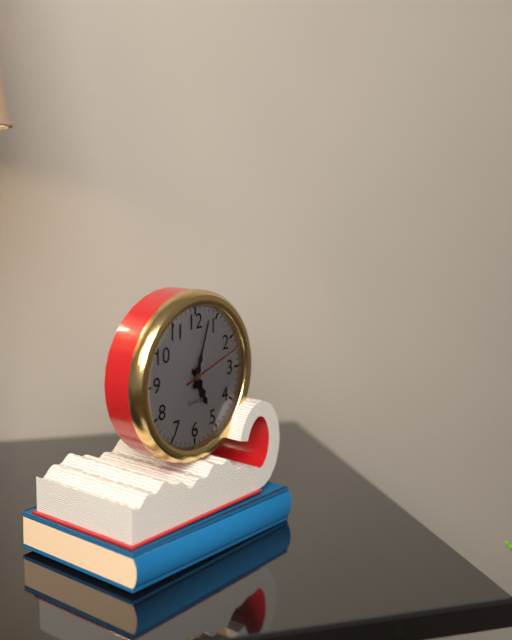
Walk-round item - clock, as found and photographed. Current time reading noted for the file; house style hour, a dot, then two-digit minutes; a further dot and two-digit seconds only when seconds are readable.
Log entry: 5.03.12
